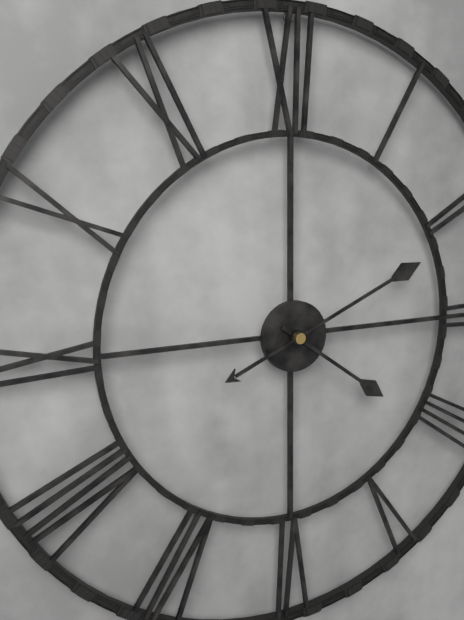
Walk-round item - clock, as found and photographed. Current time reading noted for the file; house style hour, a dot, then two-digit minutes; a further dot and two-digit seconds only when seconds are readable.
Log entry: 4.11
